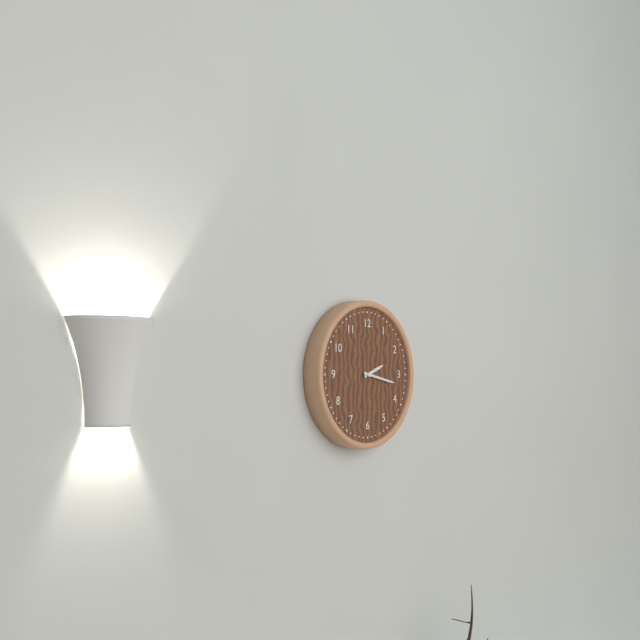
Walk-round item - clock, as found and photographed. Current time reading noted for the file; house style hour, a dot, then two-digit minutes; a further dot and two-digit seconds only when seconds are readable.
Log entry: 2.17
